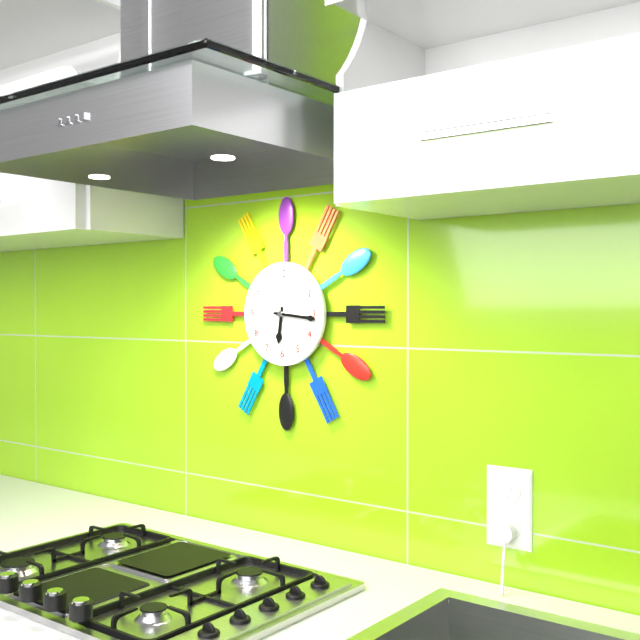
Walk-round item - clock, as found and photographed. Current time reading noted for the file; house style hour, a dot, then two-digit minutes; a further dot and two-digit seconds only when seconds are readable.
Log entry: 6.16
